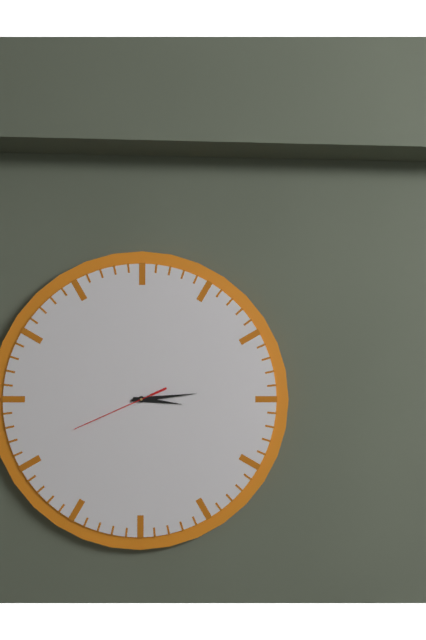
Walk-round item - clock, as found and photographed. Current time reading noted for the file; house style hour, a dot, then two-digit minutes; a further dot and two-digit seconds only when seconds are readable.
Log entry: 3.14.41
